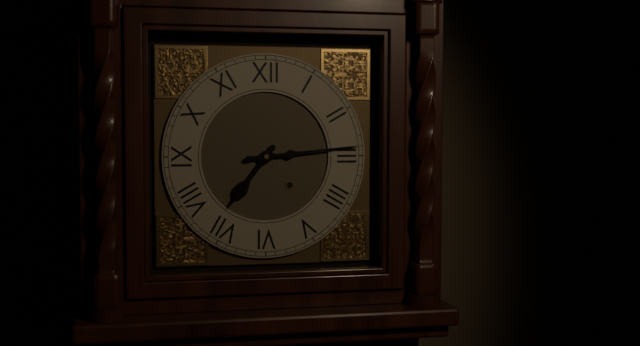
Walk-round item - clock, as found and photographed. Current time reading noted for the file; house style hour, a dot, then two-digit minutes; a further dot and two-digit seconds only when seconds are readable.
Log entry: 7.14
